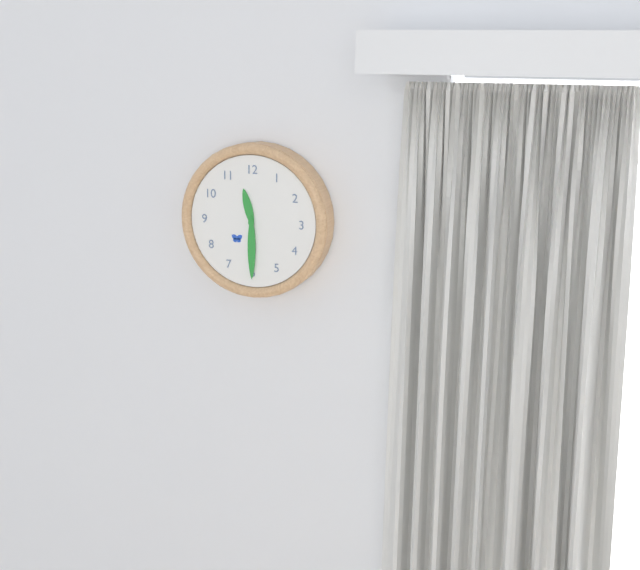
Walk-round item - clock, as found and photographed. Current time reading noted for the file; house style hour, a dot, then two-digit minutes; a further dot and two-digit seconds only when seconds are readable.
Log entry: 11.30
